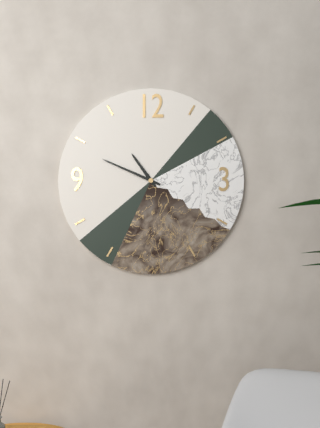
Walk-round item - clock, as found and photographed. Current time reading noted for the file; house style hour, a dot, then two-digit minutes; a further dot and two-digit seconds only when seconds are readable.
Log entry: 10.49
